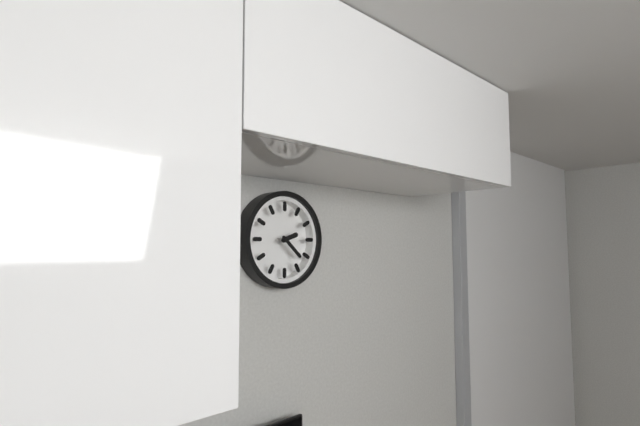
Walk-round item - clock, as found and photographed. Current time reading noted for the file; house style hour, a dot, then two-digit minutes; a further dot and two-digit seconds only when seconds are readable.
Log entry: 2.22
